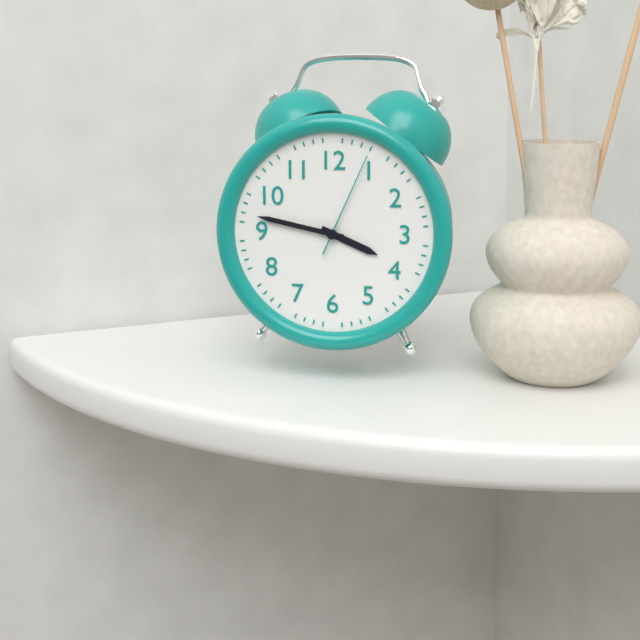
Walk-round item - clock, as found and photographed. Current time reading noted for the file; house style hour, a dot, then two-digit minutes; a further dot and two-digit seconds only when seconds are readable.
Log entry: 3.47.04
